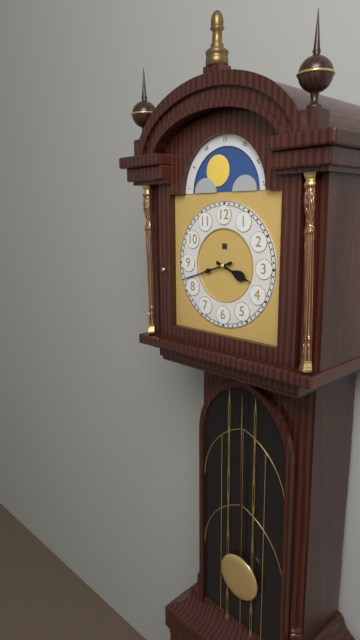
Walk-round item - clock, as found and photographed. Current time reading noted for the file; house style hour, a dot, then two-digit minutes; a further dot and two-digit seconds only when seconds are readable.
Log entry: 3.42
